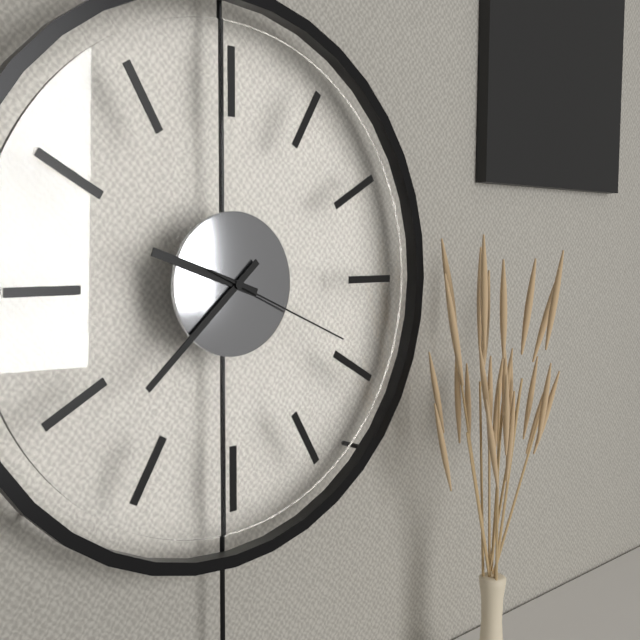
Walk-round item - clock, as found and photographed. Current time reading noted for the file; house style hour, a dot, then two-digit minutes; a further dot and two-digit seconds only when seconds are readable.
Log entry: 9.38.19
